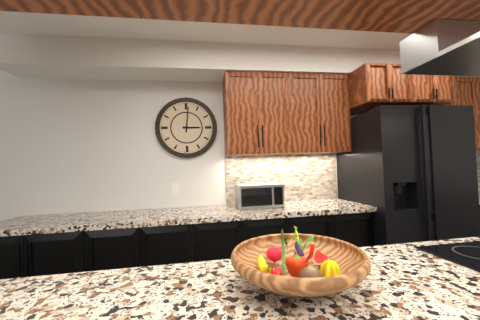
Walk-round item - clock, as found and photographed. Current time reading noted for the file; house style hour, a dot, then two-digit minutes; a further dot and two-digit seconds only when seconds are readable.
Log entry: 3.01
